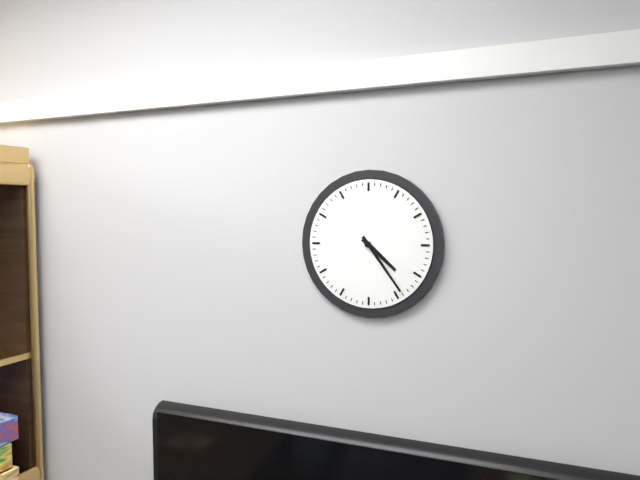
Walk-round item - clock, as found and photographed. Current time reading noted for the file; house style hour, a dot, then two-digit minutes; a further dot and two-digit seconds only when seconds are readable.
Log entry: 4.24
